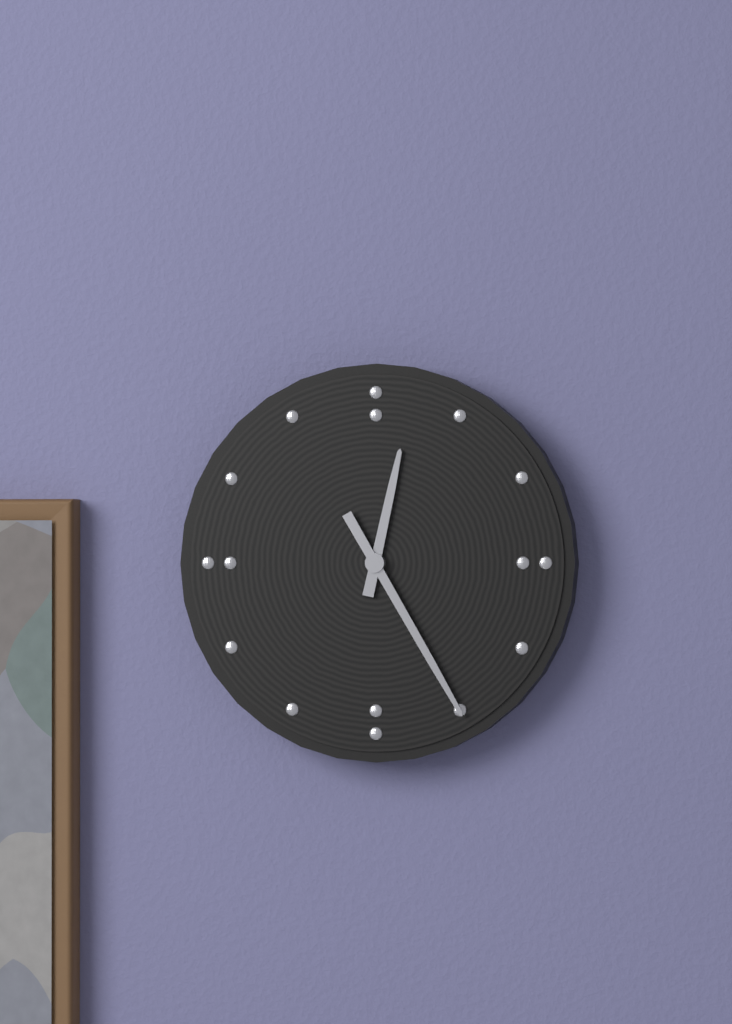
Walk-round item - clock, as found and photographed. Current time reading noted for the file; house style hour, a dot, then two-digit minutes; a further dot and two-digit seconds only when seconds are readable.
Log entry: 12.25
